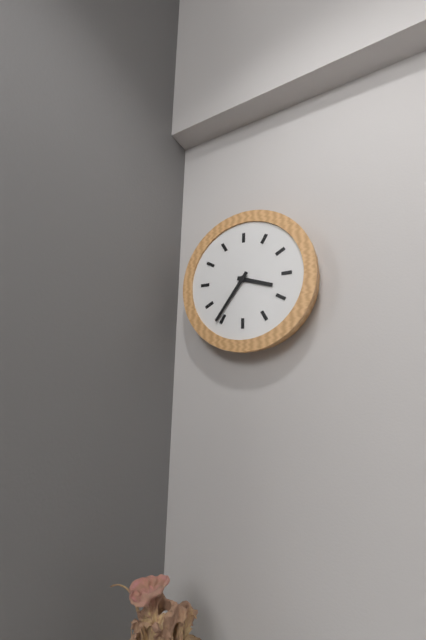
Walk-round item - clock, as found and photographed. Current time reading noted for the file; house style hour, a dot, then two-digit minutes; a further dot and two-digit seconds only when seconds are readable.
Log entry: 3.36
